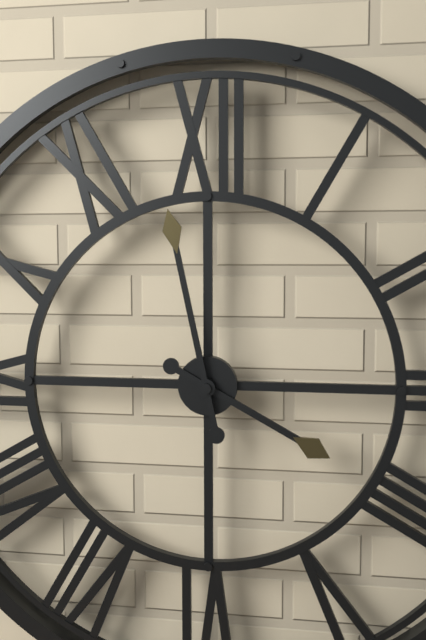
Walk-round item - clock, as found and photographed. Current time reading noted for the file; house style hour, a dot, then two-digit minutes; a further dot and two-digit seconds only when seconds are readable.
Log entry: 3.58
